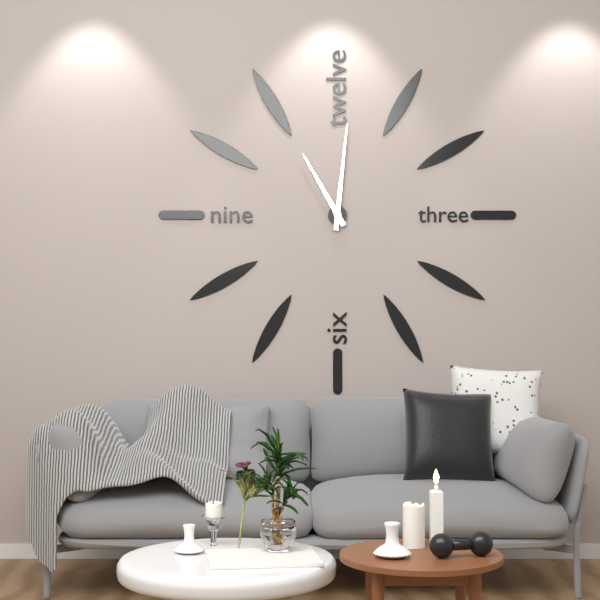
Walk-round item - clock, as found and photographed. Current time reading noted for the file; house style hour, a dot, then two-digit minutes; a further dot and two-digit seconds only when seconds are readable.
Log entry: 11.01
